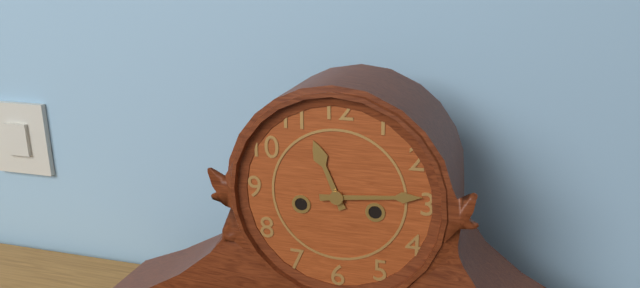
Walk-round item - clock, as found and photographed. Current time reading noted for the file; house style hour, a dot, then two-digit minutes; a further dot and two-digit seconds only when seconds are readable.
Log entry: 11.14
